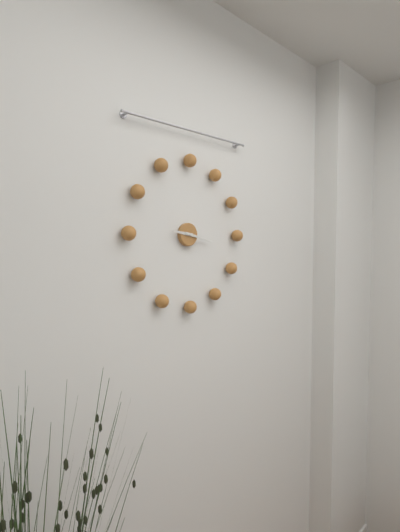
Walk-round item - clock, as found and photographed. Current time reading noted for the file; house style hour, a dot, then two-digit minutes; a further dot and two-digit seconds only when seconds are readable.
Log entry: 9.17
